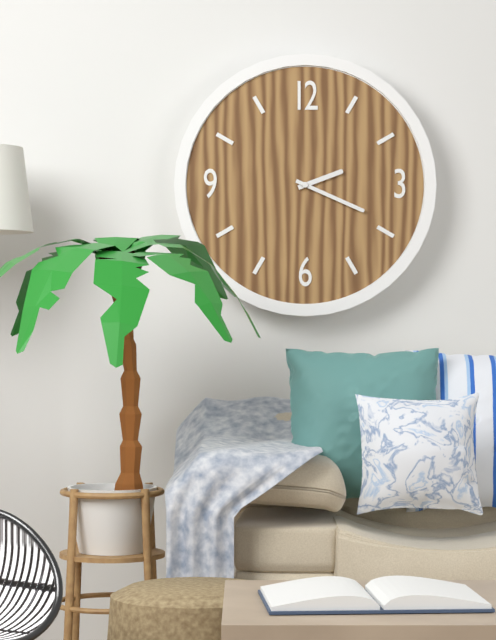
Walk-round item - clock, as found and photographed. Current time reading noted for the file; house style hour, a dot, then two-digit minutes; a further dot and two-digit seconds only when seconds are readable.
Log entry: 2.19
